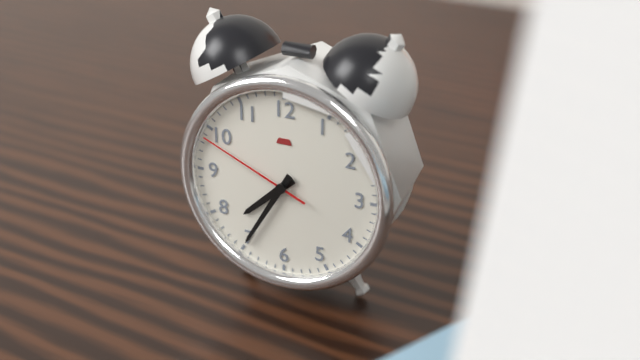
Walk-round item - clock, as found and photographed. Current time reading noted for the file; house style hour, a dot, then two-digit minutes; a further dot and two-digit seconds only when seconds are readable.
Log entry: 7.35.49
